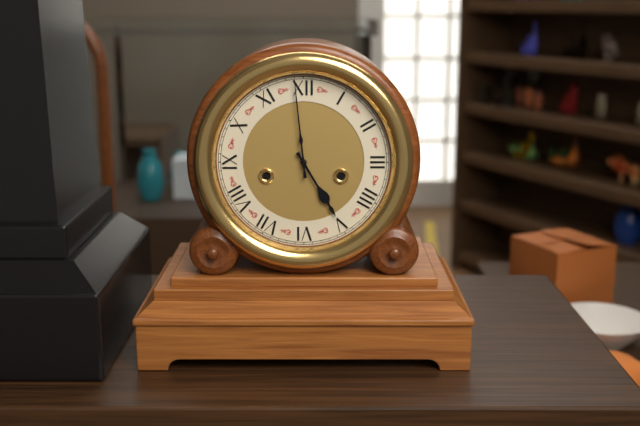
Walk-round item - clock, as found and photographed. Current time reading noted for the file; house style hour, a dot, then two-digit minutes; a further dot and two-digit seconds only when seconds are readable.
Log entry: 4.59
